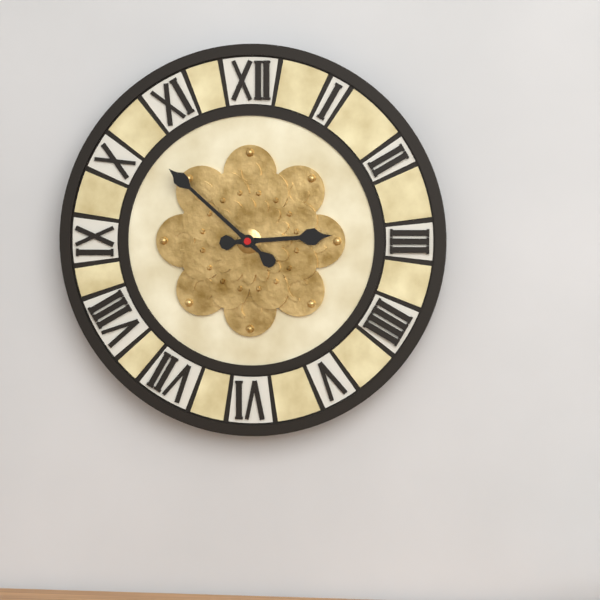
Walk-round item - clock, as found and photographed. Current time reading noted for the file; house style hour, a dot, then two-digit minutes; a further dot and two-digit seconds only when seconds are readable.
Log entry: 2.52
